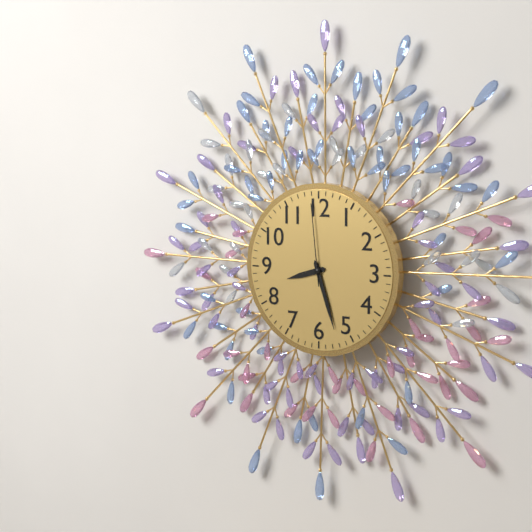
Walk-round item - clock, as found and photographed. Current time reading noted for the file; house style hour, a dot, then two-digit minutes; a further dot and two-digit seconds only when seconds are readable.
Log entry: 8.27.59
